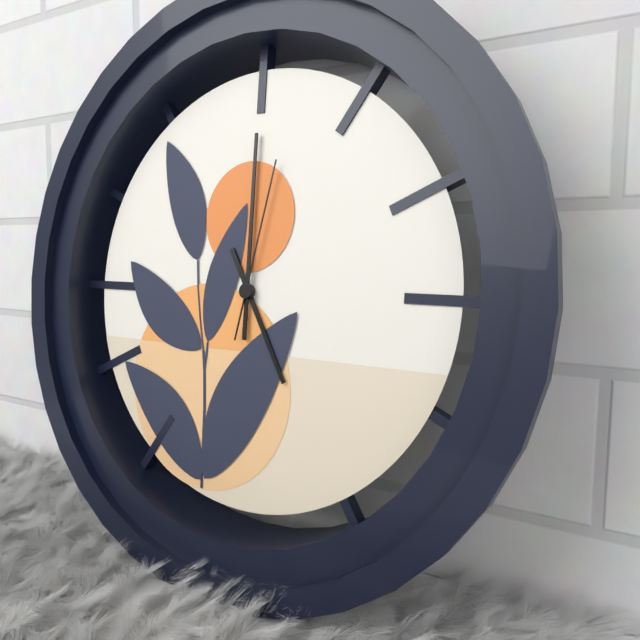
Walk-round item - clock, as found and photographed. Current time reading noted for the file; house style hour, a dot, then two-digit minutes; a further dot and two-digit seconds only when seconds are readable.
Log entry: 5.00.02
